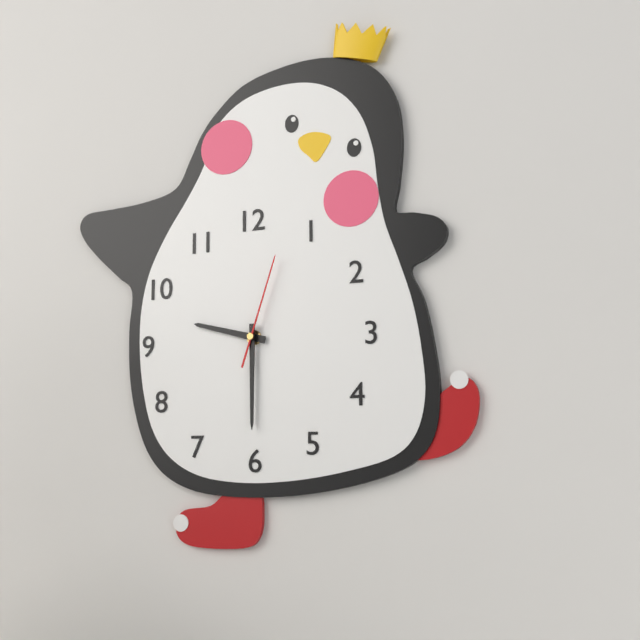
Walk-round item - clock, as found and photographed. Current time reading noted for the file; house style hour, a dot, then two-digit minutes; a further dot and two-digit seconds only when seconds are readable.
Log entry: 9.30.03
